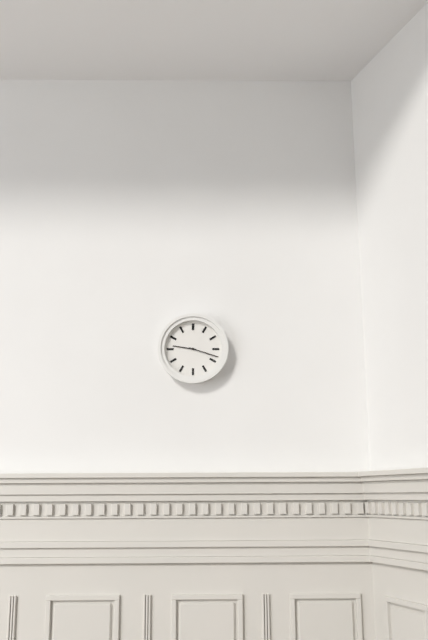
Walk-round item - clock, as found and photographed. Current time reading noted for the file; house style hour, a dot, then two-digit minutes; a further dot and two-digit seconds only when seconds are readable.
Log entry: 9.18
